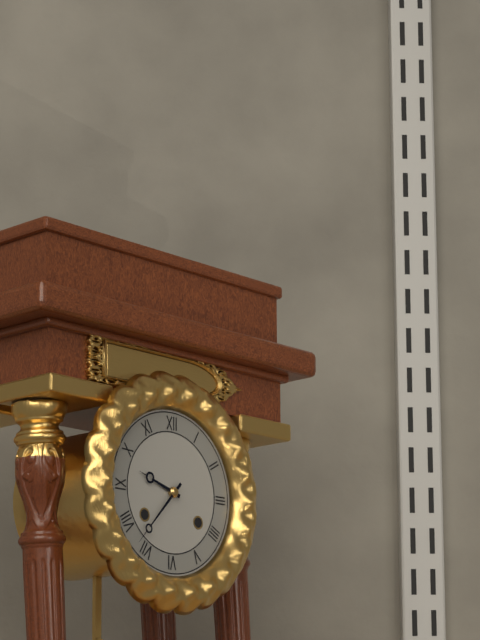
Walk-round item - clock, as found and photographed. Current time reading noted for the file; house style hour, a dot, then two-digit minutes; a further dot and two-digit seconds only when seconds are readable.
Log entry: 9.37
